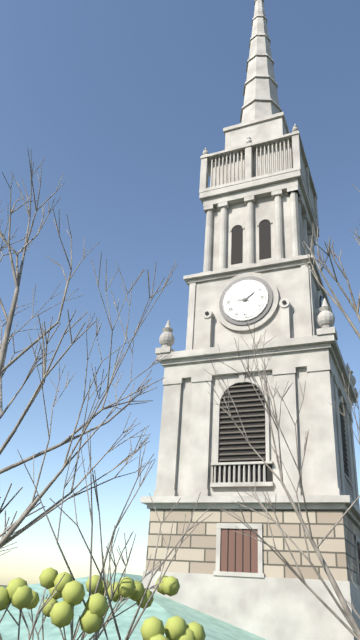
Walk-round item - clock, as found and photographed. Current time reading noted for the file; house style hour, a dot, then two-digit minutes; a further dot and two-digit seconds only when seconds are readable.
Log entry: 1.47
